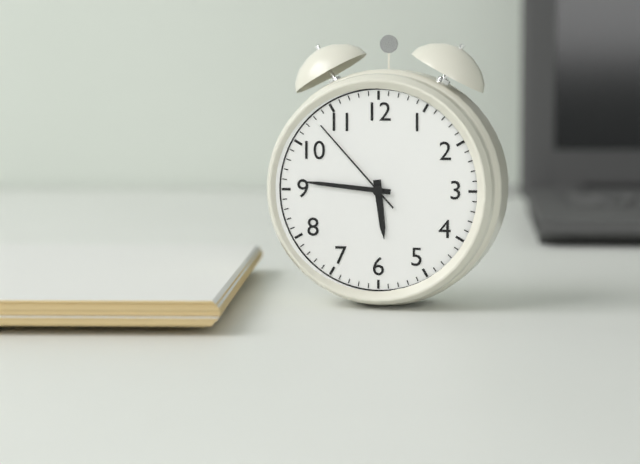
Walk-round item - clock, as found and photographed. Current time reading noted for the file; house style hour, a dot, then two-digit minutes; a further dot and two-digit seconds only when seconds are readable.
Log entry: 5.46.53
